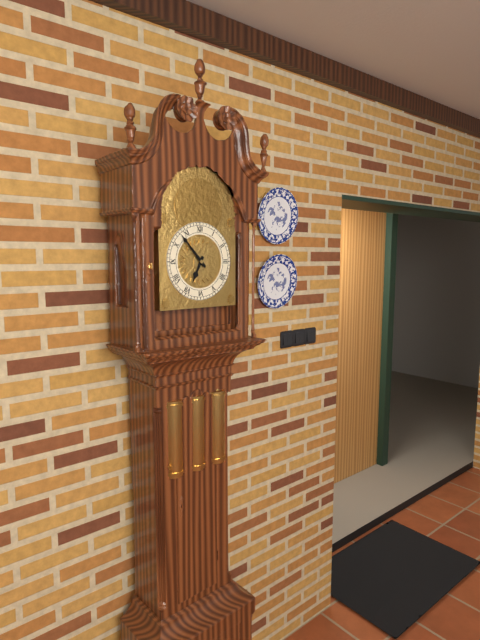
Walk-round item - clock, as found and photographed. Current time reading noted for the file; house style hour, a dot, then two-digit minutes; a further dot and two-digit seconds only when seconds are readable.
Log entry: 6.53
